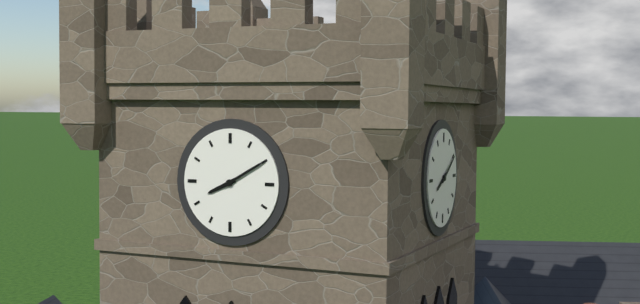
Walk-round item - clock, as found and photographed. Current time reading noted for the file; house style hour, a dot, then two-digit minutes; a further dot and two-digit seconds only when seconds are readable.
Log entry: 8.10
